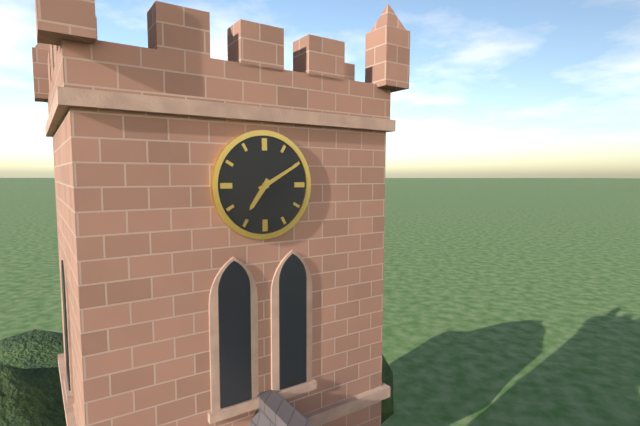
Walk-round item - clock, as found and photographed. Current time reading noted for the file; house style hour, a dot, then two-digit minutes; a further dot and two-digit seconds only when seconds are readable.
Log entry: 7.10
